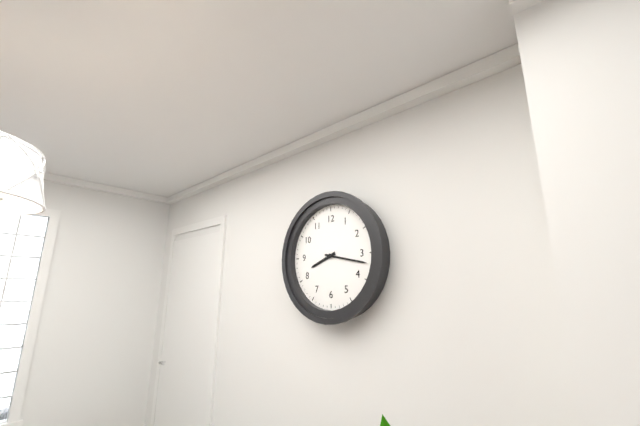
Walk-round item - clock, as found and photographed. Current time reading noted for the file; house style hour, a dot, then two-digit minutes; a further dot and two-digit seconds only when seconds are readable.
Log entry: 8.17
